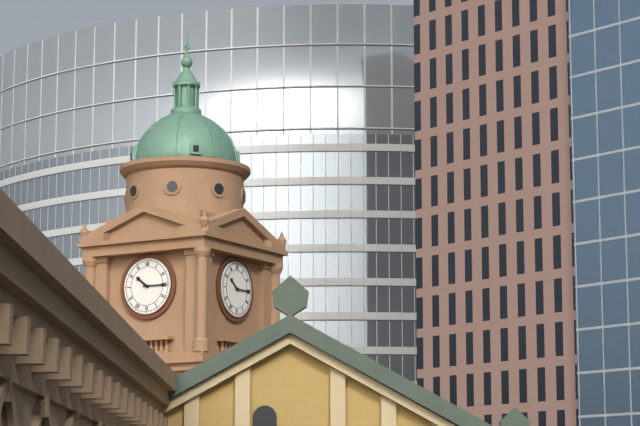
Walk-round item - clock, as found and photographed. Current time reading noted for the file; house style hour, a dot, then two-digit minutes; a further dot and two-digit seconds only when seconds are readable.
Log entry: 10.15
